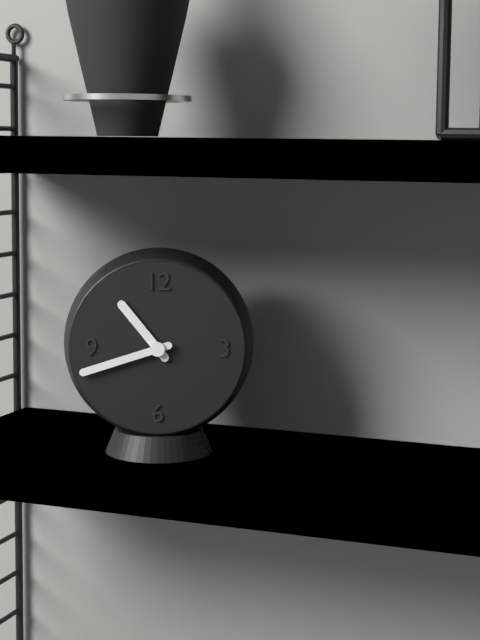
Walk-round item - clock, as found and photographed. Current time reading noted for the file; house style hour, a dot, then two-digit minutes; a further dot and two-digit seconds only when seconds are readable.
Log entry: 10.42
